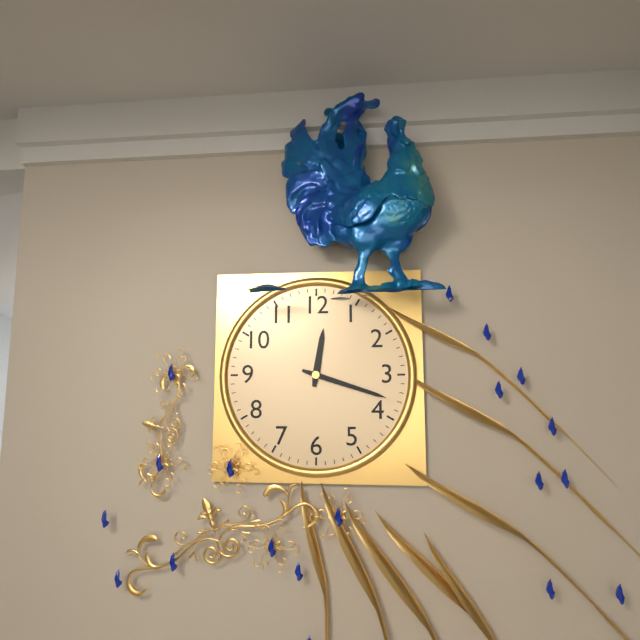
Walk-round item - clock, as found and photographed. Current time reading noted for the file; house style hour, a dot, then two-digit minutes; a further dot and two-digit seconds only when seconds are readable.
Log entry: 12.18
